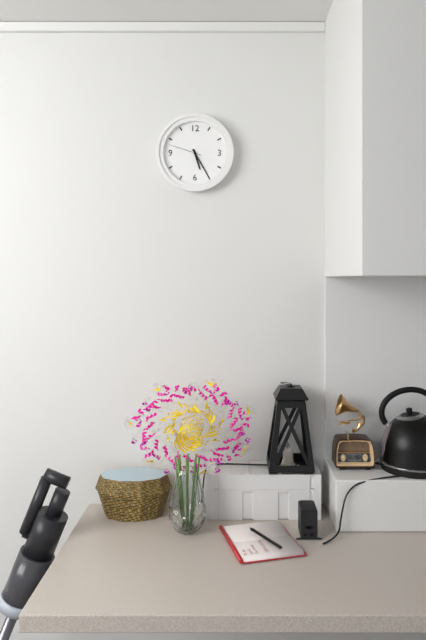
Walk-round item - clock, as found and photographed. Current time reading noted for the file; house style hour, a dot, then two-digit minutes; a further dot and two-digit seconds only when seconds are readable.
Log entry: 5.25
